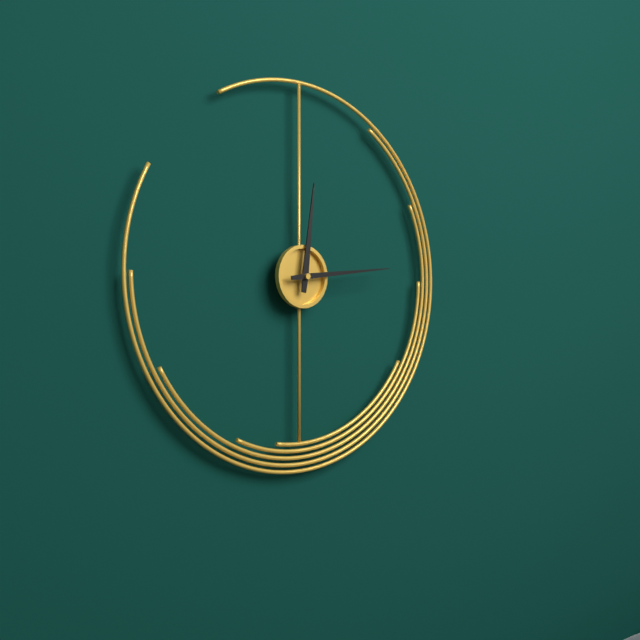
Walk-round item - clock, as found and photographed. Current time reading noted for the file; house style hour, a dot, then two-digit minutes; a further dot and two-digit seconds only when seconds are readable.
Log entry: 12.14
